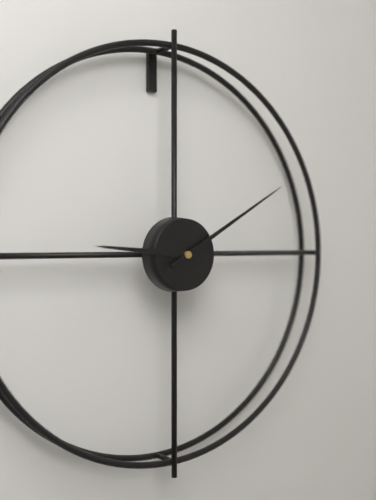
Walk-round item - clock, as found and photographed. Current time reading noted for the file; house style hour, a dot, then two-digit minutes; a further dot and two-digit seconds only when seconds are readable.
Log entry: 9.10
